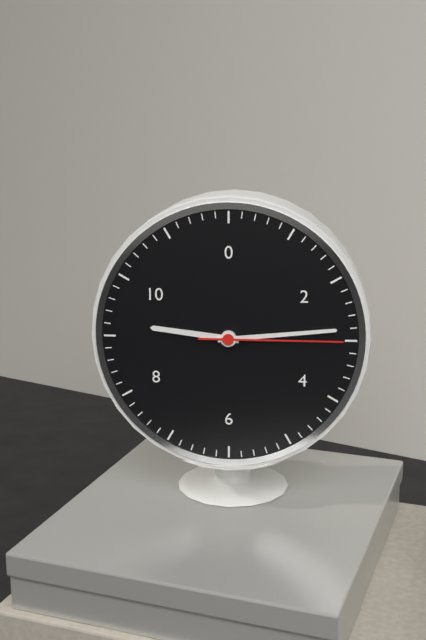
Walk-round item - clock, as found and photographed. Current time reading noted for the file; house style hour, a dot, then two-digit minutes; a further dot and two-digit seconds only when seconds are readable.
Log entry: 9.14.15
